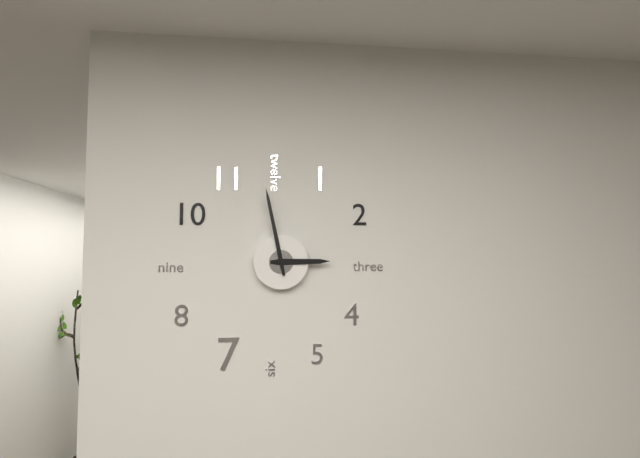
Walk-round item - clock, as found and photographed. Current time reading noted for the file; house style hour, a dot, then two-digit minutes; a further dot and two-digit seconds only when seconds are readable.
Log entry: 2.58
